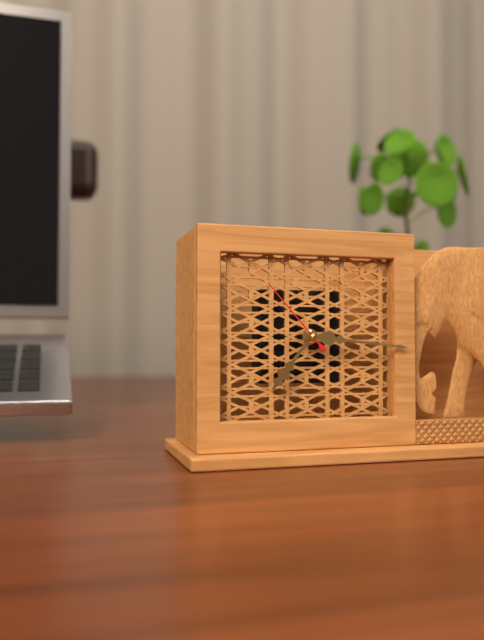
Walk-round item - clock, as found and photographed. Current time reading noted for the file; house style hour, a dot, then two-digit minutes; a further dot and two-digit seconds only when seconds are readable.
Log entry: 7.16.53
